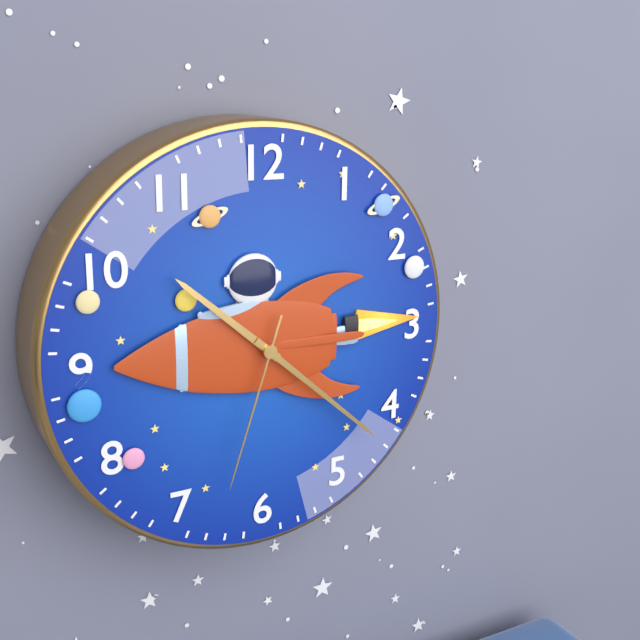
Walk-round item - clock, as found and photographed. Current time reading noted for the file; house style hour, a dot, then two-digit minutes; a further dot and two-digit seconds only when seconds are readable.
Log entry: 10.22.33
